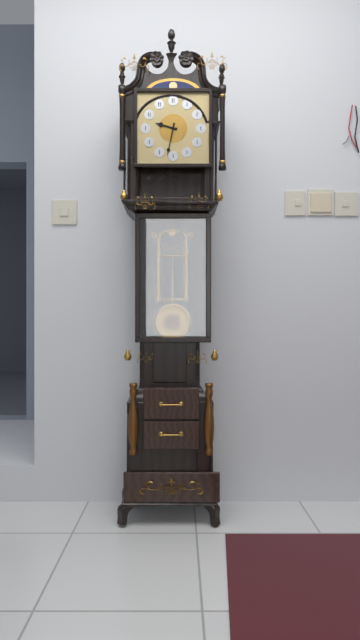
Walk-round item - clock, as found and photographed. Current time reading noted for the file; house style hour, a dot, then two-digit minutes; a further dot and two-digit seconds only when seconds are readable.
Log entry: 9.32
